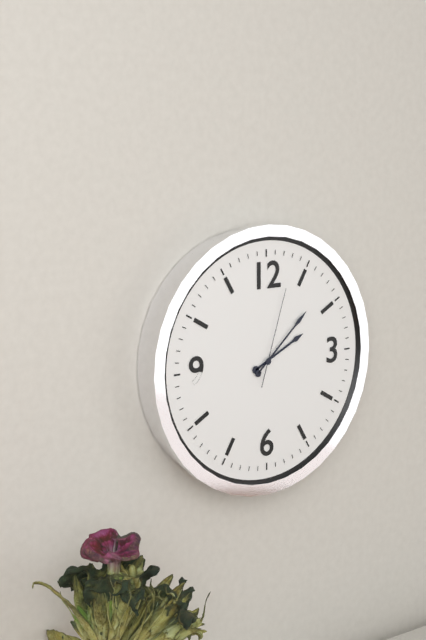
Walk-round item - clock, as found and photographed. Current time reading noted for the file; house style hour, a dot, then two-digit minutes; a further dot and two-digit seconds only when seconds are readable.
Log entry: 2.08.03
